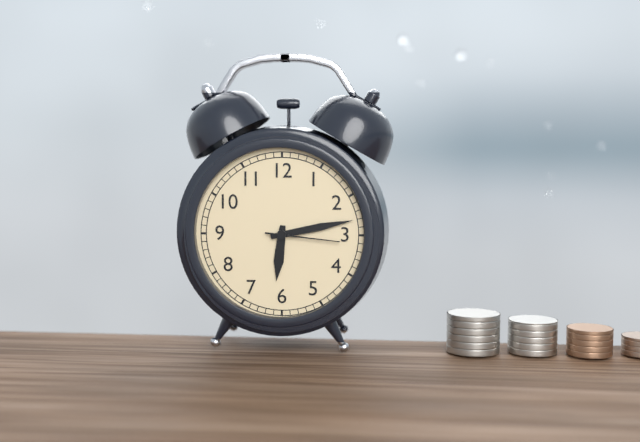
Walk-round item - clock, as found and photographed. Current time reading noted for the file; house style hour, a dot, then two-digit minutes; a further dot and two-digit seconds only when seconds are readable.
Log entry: 6.13.16
